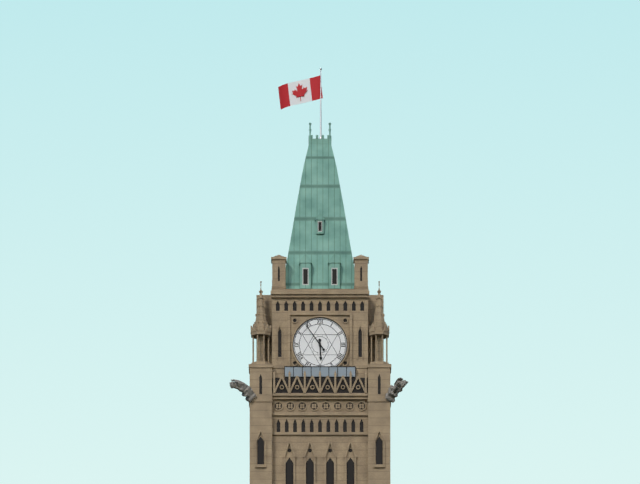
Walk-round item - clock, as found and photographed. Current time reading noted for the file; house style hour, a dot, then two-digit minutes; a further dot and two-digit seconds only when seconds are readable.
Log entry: 5.54
